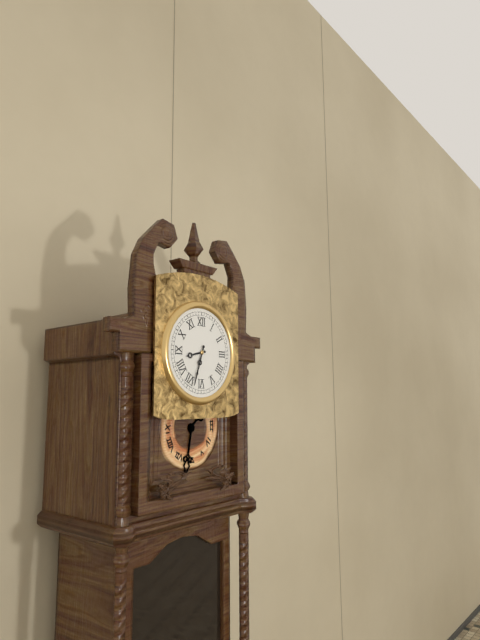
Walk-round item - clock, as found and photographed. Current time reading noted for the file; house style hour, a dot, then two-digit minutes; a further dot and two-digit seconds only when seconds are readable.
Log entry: 8.33
